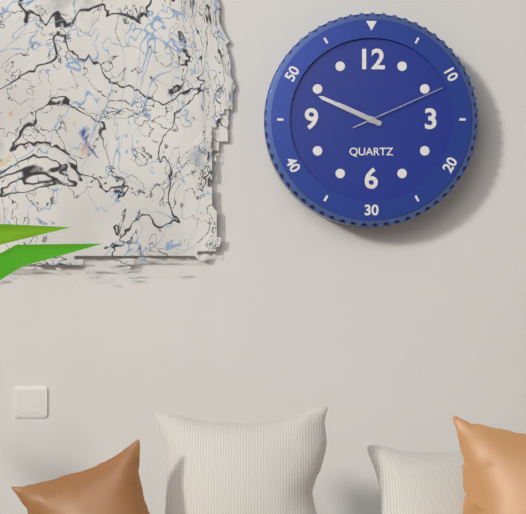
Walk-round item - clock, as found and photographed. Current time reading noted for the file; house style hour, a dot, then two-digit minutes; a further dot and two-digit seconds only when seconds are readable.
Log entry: 9.49.11
